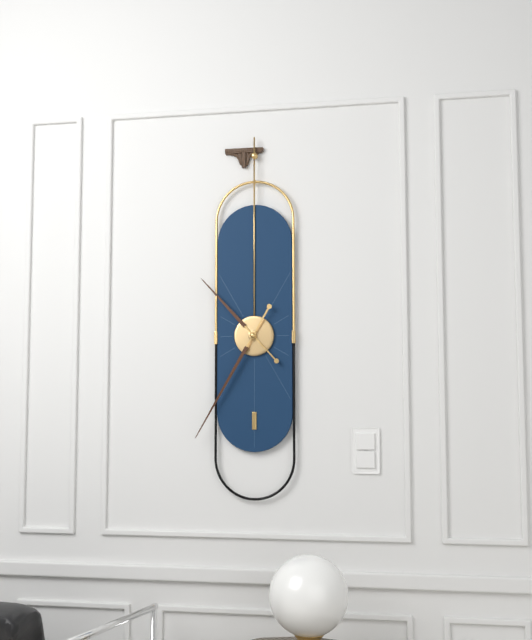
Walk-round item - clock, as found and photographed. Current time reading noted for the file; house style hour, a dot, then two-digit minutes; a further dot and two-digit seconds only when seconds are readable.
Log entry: 10.35
